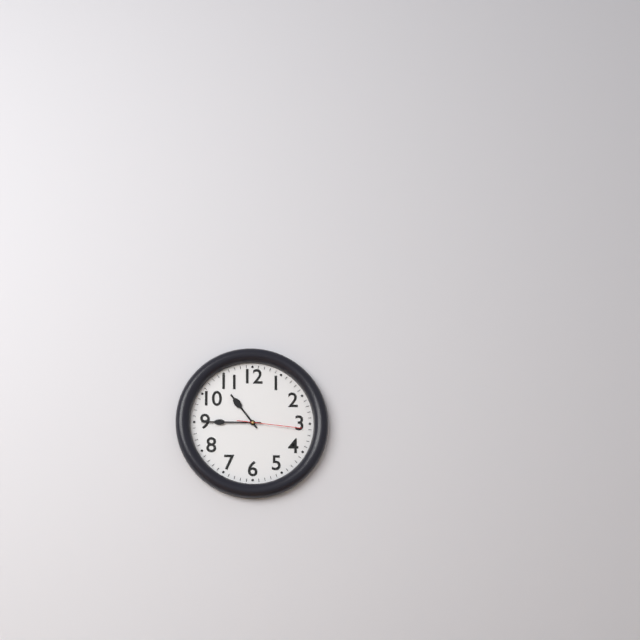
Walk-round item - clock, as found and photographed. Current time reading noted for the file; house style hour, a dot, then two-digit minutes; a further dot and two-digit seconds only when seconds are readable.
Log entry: 10.45.16
